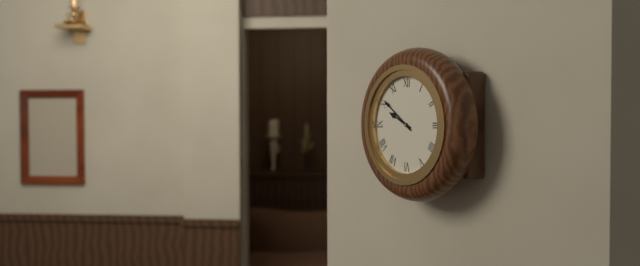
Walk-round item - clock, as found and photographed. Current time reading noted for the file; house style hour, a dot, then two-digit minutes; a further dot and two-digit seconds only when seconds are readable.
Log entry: 9.51
